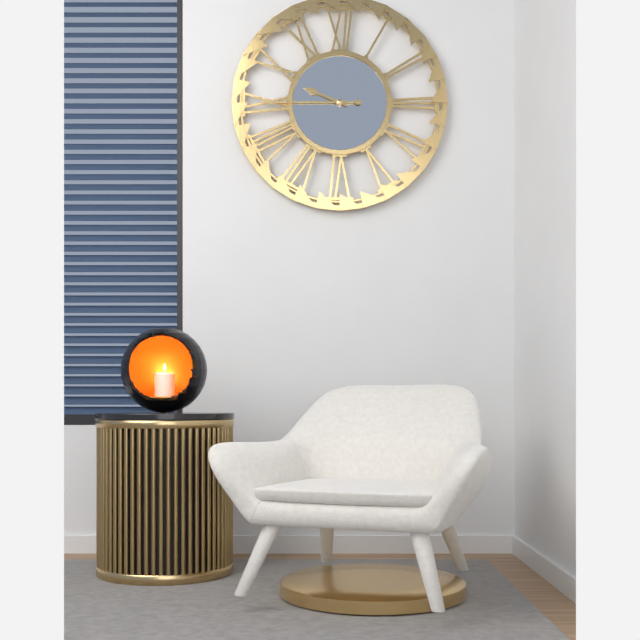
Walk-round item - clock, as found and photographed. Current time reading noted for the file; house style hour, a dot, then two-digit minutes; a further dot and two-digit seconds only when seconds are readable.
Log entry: 9.45
